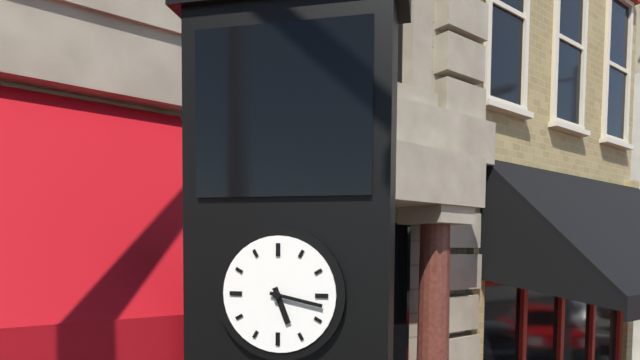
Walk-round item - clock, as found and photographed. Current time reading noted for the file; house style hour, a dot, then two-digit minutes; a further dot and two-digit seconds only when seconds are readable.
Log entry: 5.17
